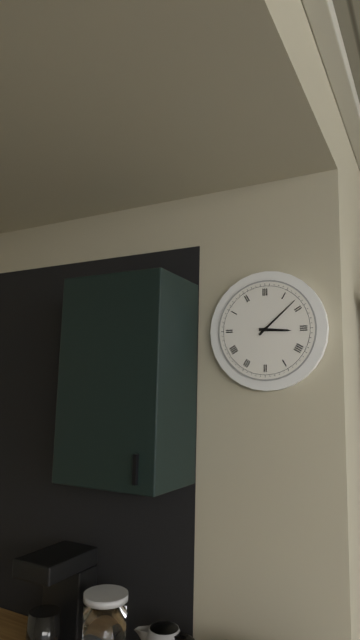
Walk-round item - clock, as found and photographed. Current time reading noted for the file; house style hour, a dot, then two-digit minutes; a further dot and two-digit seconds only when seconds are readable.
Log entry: 3.08
